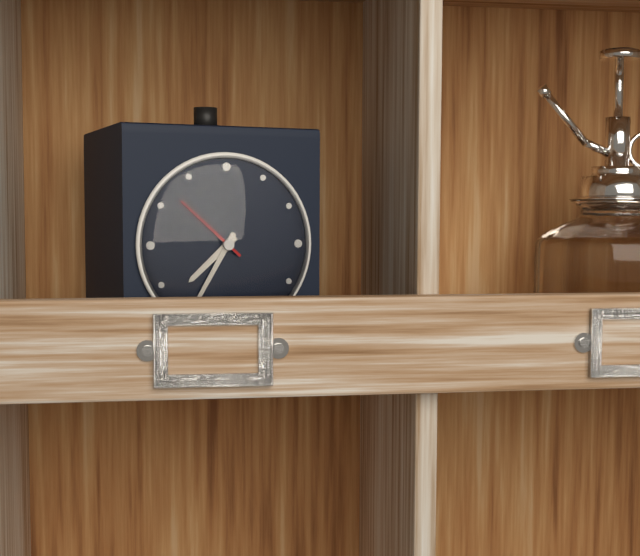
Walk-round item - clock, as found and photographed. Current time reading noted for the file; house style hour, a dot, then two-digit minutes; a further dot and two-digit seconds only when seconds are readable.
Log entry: 7.35.52
